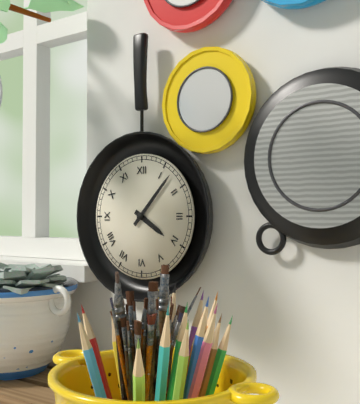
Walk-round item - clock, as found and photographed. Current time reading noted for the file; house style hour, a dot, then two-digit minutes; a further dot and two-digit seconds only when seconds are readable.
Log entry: 4.07
